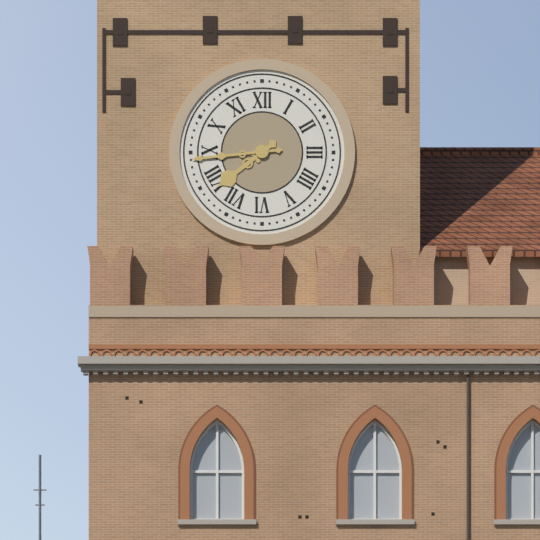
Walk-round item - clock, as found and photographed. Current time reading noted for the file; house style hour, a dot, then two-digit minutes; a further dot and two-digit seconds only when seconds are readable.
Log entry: 7.44
